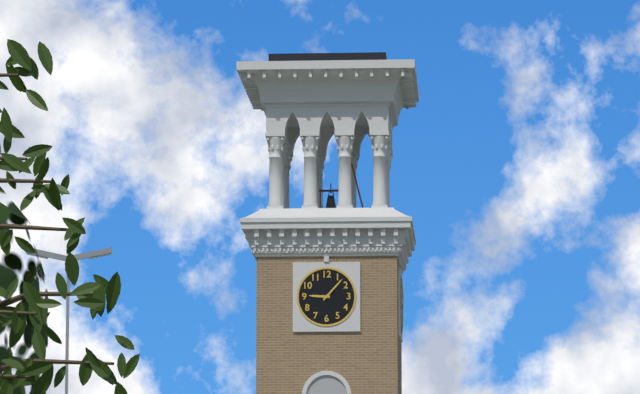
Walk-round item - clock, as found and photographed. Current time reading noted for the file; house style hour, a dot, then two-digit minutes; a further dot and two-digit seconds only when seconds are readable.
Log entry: 9.07
